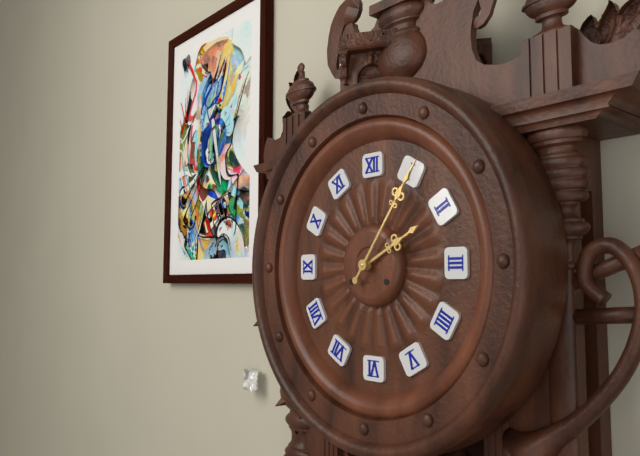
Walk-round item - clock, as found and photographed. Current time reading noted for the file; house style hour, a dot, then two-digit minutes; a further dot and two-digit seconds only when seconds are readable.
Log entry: 2.06
